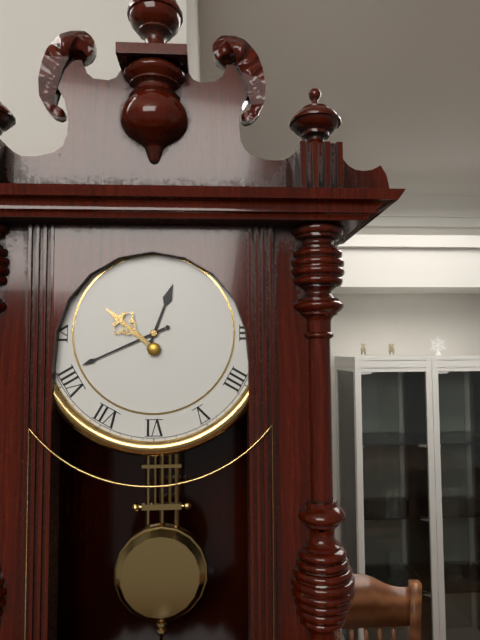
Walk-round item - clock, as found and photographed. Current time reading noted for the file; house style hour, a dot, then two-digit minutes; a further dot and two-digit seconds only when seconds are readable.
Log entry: 12.41
